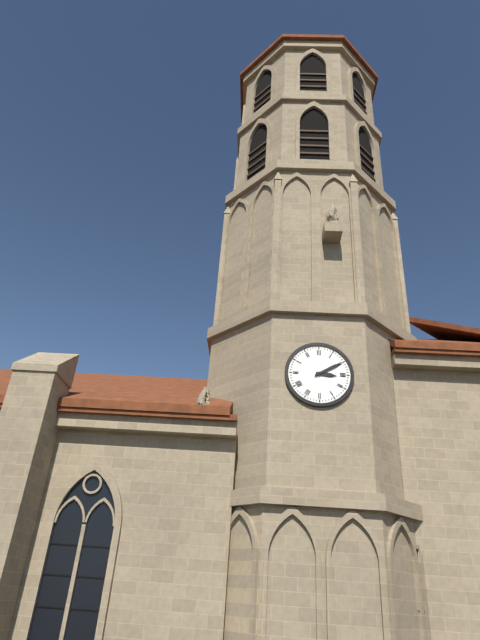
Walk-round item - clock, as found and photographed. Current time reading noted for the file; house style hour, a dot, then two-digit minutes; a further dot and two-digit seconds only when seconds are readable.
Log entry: 3.10
